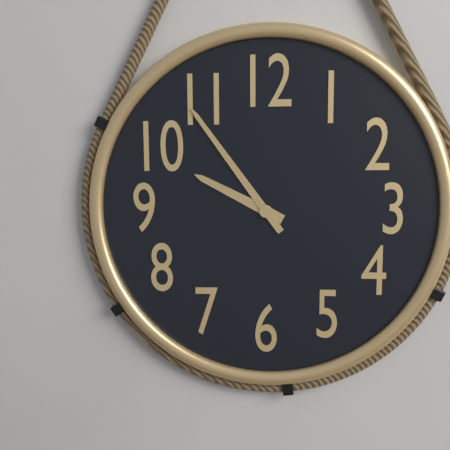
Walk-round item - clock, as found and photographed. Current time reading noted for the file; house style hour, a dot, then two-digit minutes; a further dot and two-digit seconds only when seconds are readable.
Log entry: 9.54
